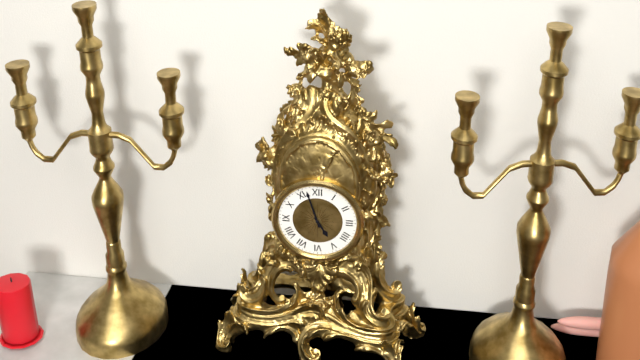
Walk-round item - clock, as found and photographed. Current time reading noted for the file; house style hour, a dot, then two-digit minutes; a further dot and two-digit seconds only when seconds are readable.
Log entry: 4.57
